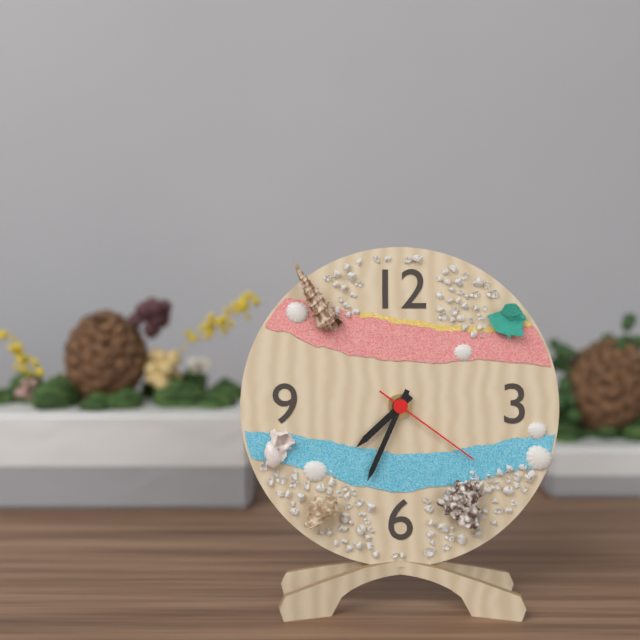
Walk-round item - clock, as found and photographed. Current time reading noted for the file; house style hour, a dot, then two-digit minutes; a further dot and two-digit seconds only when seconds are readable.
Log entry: 7.34.21
